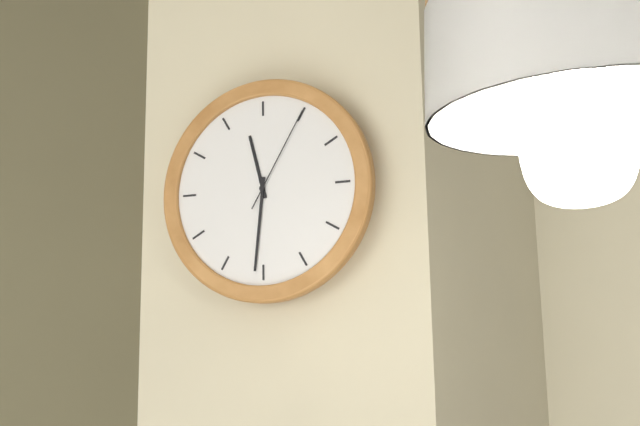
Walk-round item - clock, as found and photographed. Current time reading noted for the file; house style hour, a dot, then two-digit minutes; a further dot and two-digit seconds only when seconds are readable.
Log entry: 11.31.05
